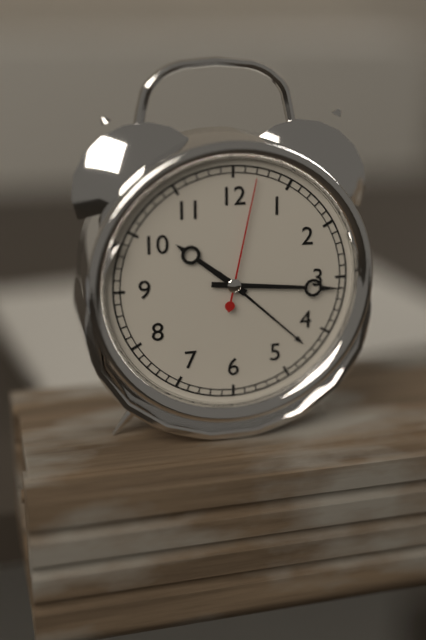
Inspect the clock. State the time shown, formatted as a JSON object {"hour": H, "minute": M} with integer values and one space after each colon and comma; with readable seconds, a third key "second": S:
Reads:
{"hour": 10, "minute": 16, "second": 2}
